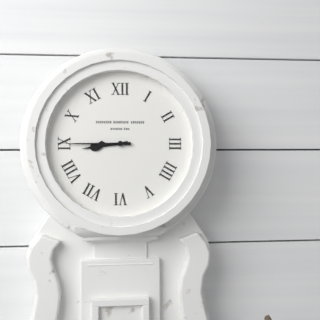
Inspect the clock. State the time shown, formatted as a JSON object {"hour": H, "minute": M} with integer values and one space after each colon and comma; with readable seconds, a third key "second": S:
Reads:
{"hour": 8, "minute": 45}
